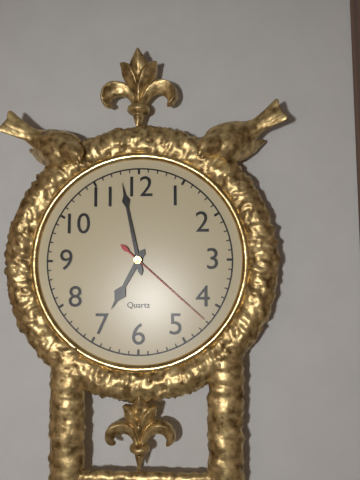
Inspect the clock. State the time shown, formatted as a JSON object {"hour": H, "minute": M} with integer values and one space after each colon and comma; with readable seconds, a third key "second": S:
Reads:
{"hour": 6, "minute": 58, "second": 22}
